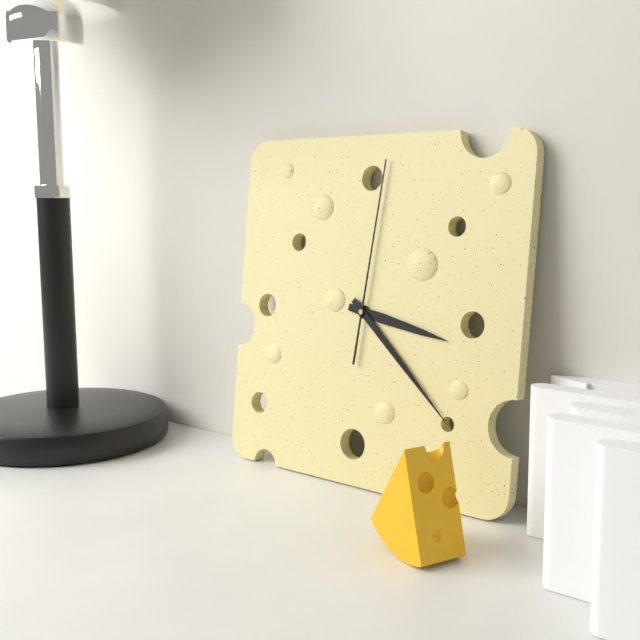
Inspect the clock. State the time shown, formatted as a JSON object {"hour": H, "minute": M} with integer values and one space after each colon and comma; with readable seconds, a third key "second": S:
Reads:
{"hour": 3, "minute": 22, "second": 1}
